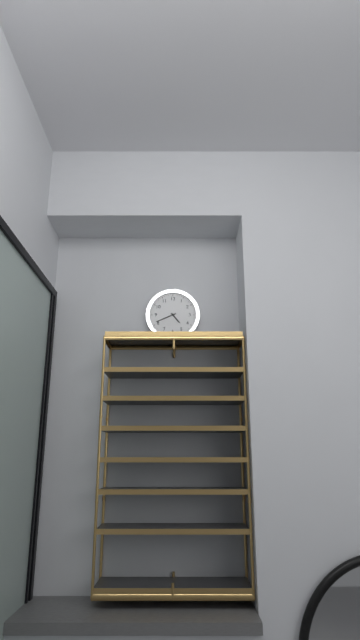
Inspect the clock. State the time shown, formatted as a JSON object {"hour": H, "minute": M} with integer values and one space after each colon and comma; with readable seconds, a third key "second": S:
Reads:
{"hour": 4, "minute": 41}
